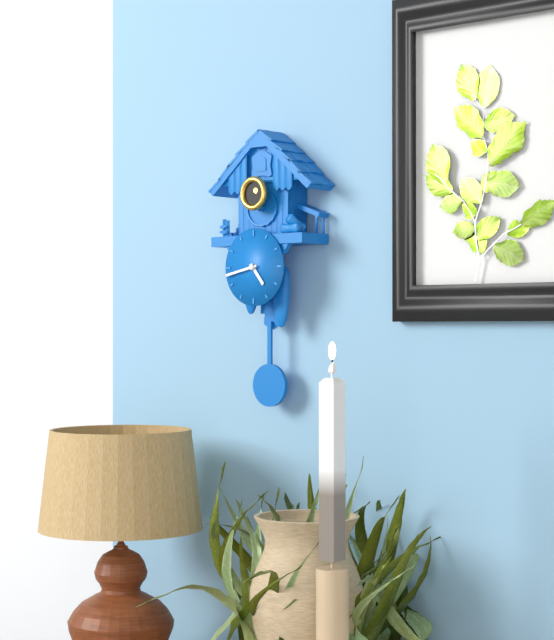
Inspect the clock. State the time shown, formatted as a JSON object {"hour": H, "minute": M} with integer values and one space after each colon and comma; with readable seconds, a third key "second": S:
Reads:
{"hour": 4, "minute": 43}
